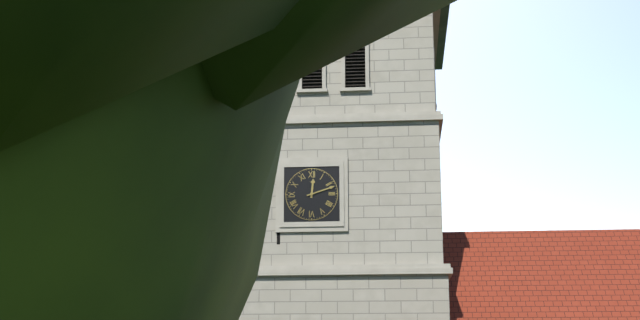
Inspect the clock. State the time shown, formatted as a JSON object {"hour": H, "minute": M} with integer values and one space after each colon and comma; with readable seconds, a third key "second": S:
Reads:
{"hour": 12, "minute": 12}
